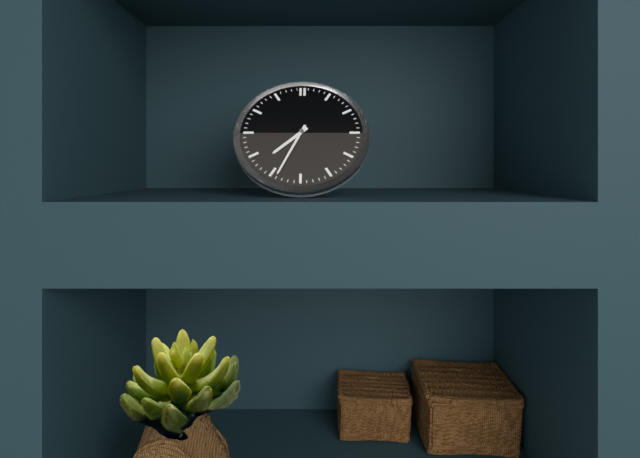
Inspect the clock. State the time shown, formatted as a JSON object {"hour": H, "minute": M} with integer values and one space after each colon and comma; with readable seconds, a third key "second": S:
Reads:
{"hour": 7, "minute": 34}
